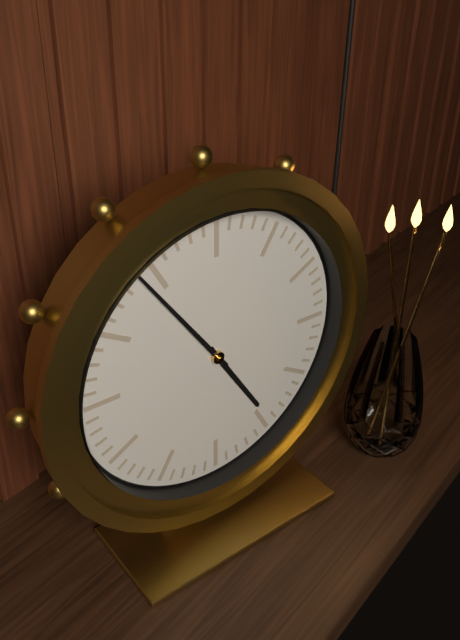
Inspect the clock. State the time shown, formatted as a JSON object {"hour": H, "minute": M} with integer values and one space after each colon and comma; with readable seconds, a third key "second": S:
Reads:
{"hour": 4, "minute": 54}
